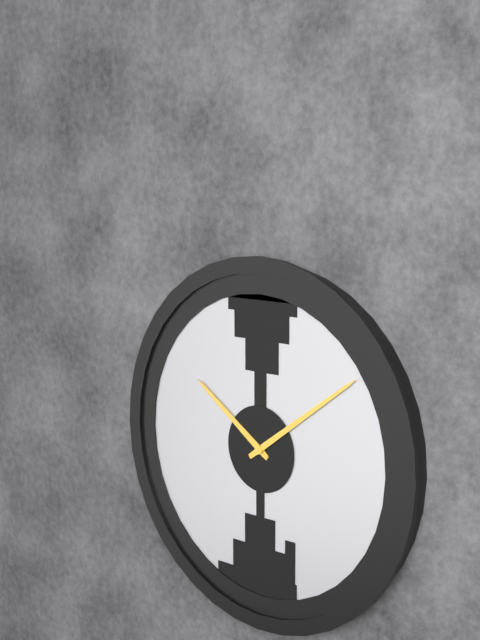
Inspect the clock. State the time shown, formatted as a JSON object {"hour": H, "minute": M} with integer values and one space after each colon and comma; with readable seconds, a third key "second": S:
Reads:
{"hour": 10, "minute": 9}
